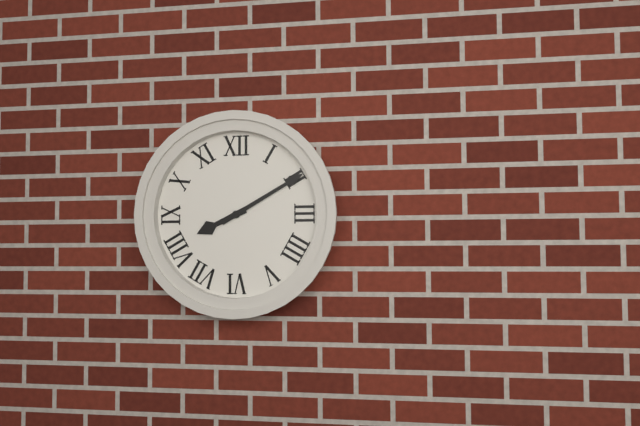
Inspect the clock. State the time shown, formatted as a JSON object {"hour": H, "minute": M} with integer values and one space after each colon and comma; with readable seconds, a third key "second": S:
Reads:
{"hour": 8, "minute": 10}
